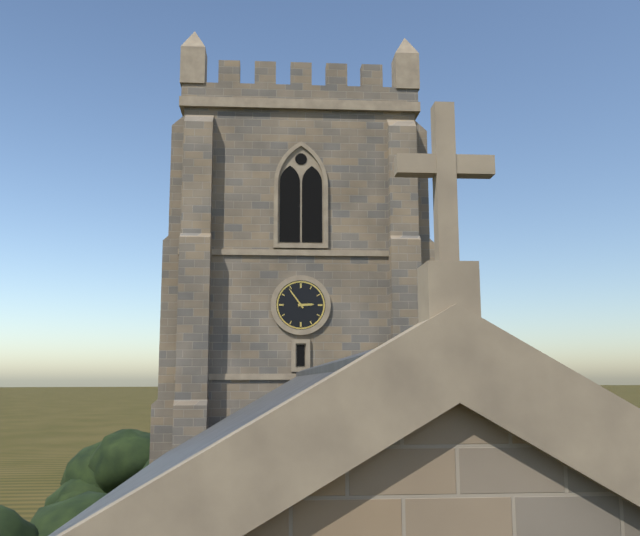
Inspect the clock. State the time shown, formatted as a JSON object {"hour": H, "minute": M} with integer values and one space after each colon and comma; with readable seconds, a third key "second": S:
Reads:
{"hour": 2, "minute": 54}
